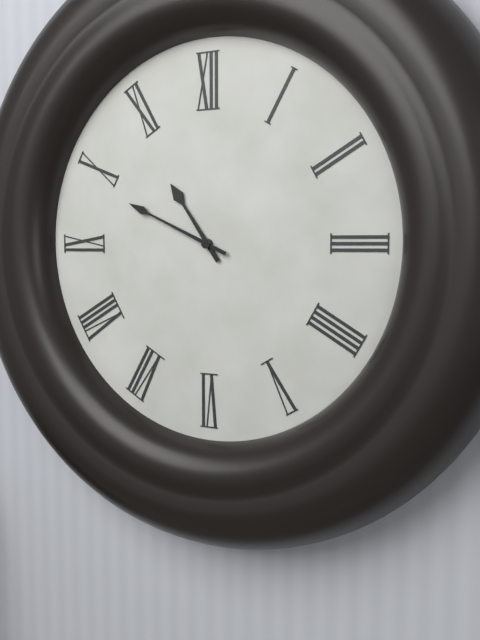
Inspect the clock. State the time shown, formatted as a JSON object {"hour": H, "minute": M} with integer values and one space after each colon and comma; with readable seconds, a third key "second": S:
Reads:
{"hour": 10, "minute": 49}
